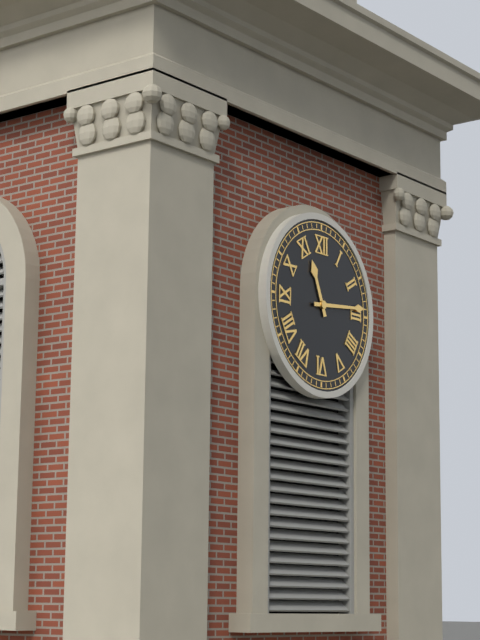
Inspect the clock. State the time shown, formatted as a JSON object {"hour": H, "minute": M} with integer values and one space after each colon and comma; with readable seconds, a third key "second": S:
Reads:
{"hour": 11, "minute": 14}
